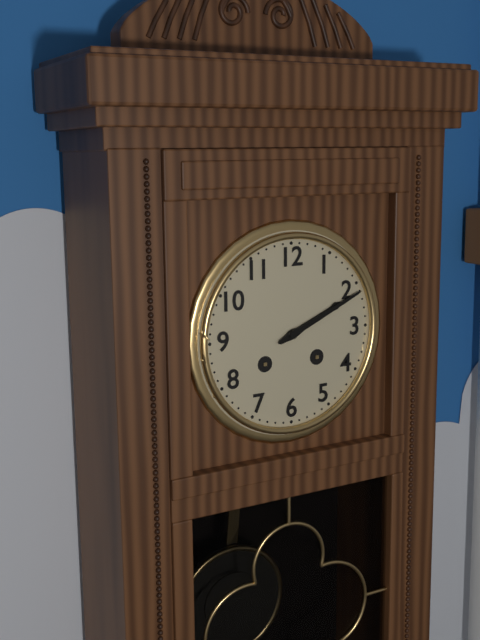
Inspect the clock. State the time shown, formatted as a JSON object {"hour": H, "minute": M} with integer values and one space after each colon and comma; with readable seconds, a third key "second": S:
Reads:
{"hour": 2, "minute": 11}
